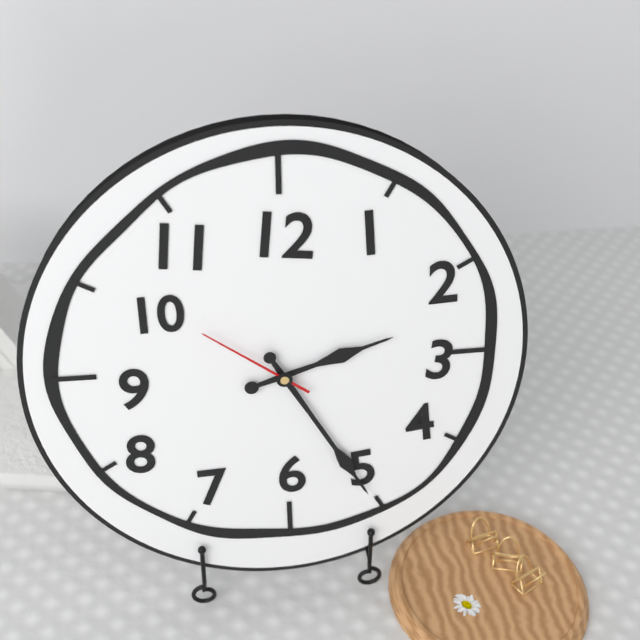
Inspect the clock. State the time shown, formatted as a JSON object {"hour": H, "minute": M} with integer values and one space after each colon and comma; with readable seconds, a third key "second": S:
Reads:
{"hour": 2, "minute": 25, "second": 51}
